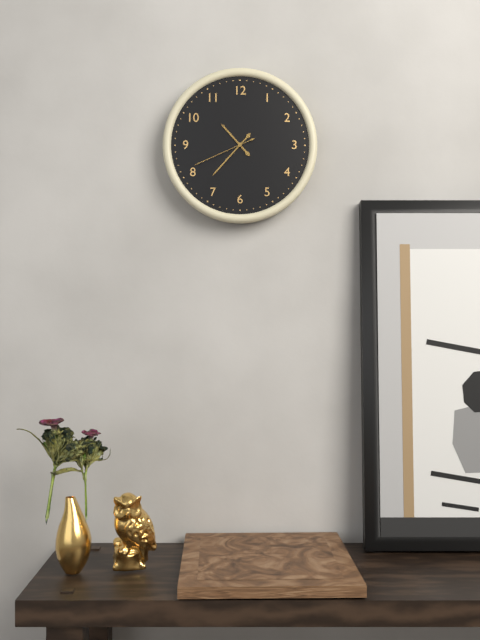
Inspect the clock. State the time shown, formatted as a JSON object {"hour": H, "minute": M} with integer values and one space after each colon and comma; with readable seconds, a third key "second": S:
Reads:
{"hour": 10, "minute": 37, "second": 41}
